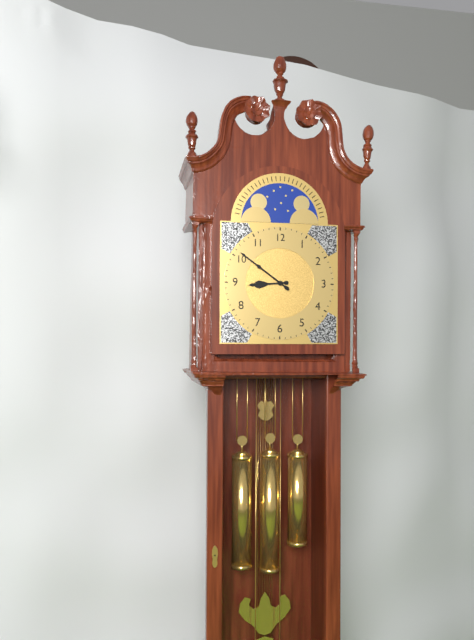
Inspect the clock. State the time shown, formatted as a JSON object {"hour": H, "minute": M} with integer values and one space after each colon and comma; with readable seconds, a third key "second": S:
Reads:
{"hour": 8, "minute": 51}
